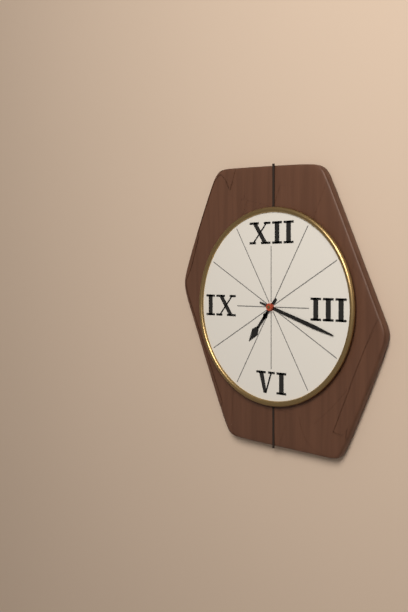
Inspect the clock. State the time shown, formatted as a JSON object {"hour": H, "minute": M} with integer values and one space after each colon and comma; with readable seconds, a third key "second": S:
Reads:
{"hour": 7, "minute": 18}
